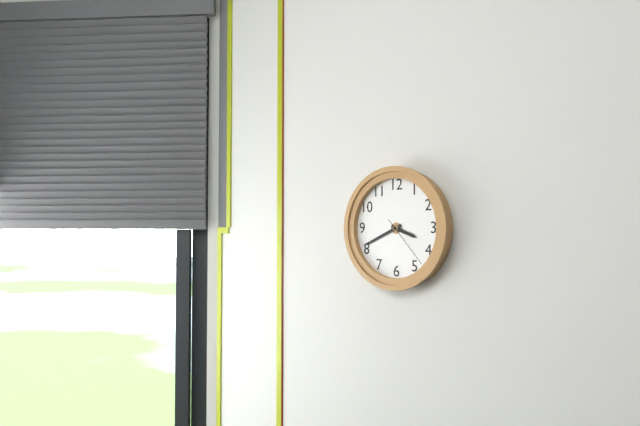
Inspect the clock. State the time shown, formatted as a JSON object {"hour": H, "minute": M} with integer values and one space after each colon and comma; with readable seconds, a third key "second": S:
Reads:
{"hour": 3, "minute": 41, "second": 23}
